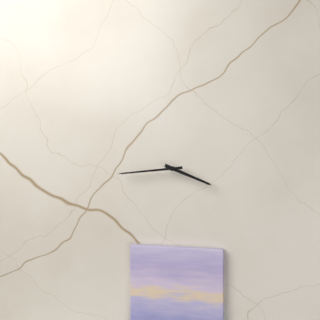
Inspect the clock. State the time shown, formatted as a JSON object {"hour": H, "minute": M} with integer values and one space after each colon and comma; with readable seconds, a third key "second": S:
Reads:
{"hour": 3, "minute": 44}
